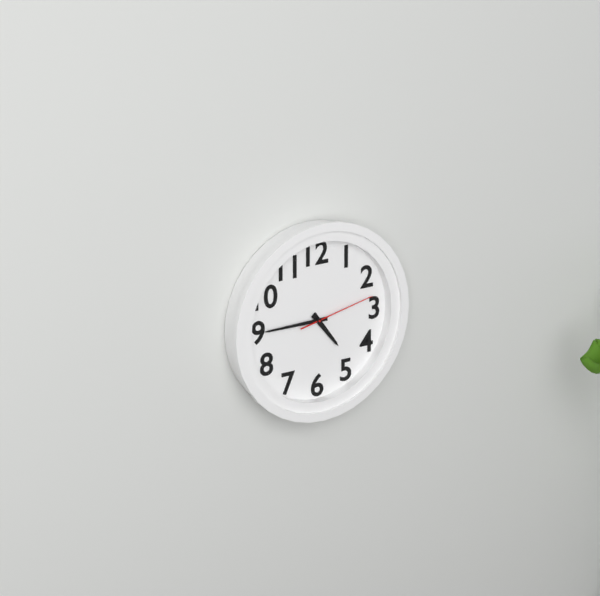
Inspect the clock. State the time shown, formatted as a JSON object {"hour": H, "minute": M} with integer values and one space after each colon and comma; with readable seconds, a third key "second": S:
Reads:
{"hour": 4, "minute": 45, "second": 13}
